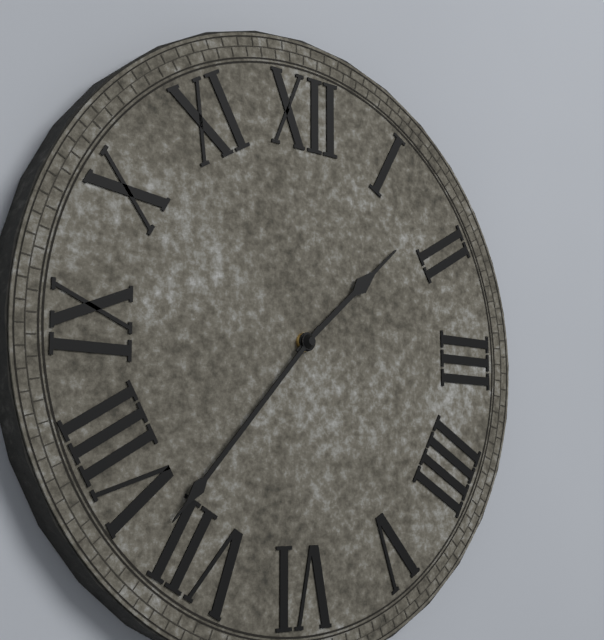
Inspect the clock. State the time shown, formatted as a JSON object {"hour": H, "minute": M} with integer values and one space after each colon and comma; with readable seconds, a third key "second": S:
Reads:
{"hour": 1, "minute": 37}
